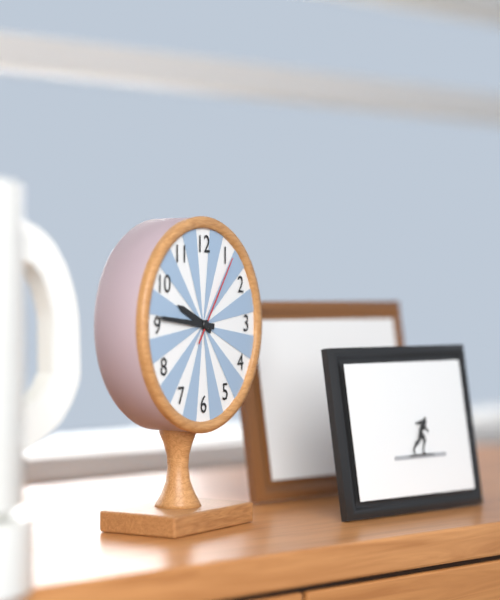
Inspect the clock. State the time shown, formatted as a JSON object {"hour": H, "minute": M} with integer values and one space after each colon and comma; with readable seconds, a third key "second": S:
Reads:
{"hour": 9, "minute": 46, "second": 6}
